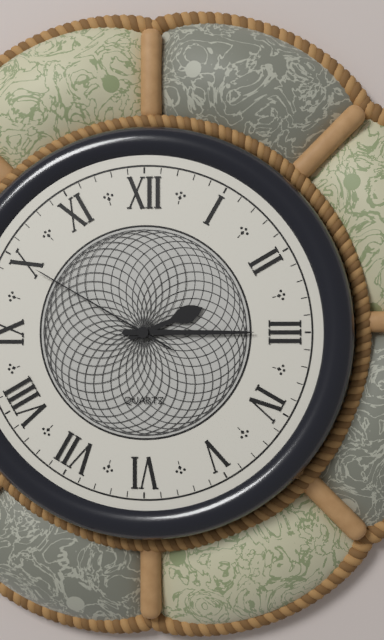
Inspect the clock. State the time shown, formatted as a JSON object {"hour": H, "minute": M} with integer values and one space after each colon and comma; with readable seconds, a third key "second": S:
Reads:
{"hour": 2, "minute": 15, "second": 50}
